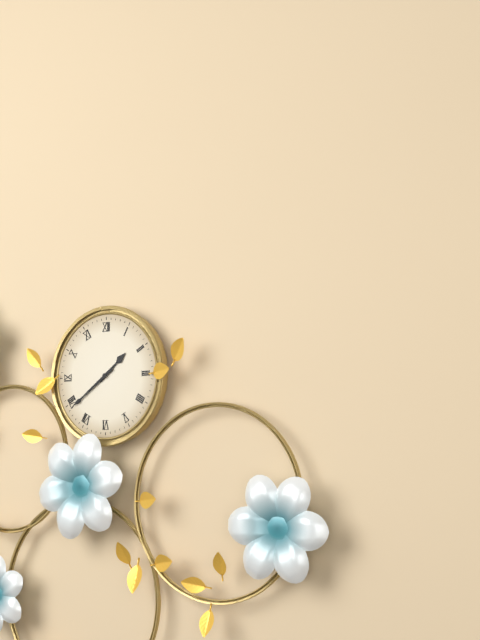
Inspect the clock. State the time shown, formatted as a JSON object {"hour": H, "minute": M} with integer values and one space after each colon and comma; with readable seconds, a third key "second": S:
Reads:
{"hour": 1, "minute": 39}
